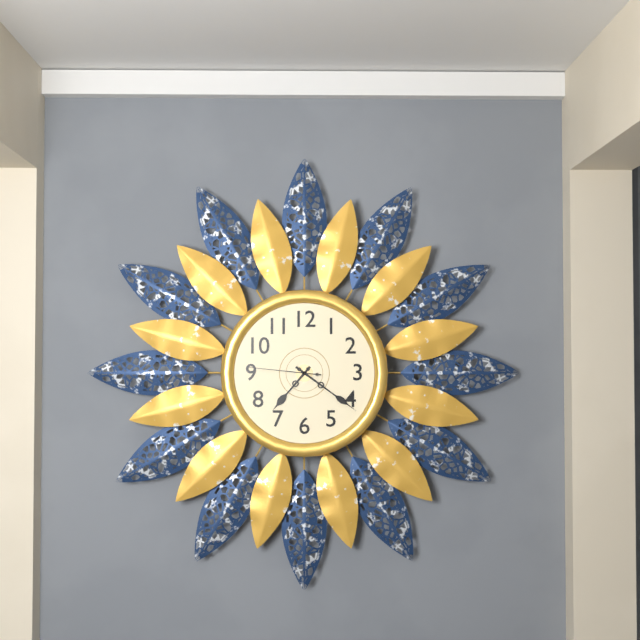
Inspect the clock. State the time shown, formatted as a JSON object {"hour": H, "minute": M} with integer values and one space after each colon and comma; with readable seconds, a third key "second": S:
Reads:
{"hour": 7, "minute": 21, "second": 46}
